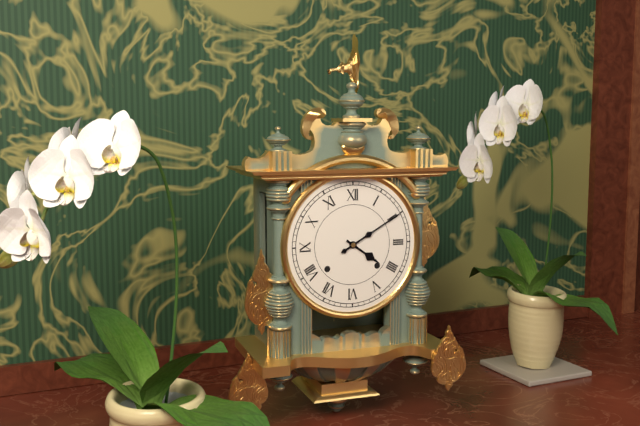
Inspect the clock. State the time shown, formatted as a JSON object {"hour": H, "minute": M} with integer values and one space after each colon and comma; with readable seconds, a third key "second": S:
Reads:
{"hour": 4, "minute": 10}
